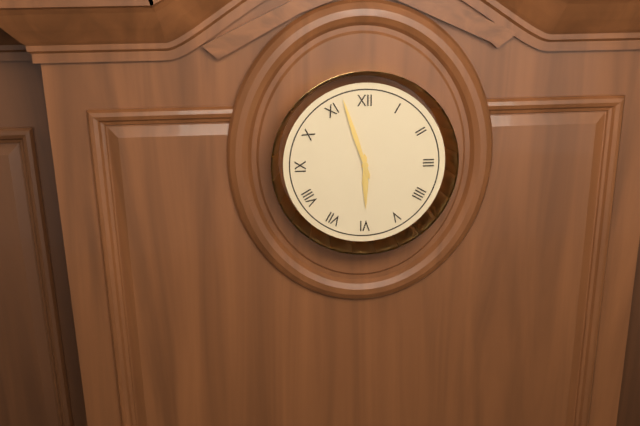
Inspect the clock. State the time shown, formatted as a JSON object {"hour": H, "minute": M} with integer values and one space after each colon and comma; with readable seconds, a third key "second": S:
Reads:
{"hour": 5, "minute": 57}
